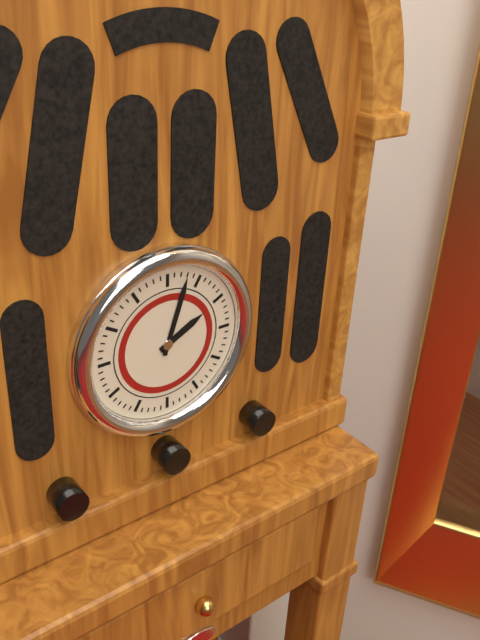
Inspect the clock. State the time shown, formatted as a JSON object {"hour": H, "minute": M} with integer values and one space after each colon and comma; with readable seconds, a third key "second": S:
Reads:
{"hour": 2, "minute": 3}
